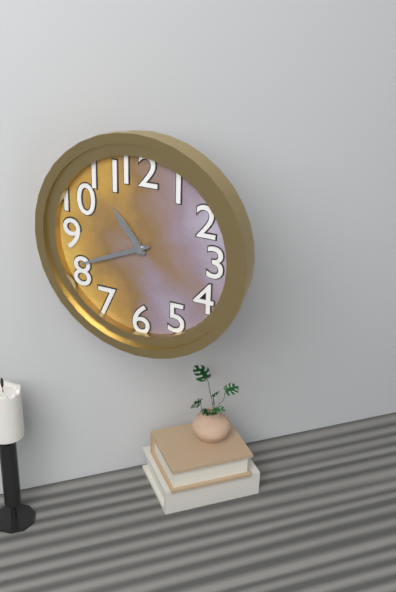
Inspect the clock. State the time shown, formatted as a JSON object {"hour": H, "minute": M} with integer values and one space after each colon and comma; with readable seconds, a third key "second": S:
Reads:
{"hour": 10, "minute": 41}
